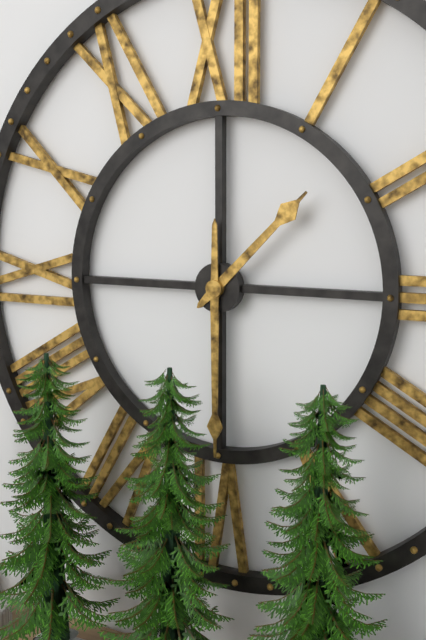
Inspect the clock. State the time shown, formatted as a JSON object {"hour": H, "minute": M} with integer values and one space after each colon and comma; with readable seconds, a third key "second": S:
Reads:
{"hour": 1, "minute": 30}
